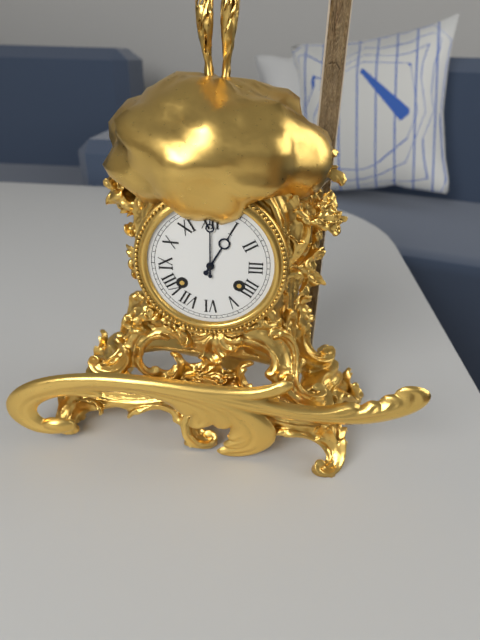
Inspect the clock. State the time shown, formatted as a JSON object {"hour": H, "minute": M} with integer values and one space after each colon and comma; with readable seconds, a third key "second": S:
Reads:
{"hour": 1, "minute": 0}
